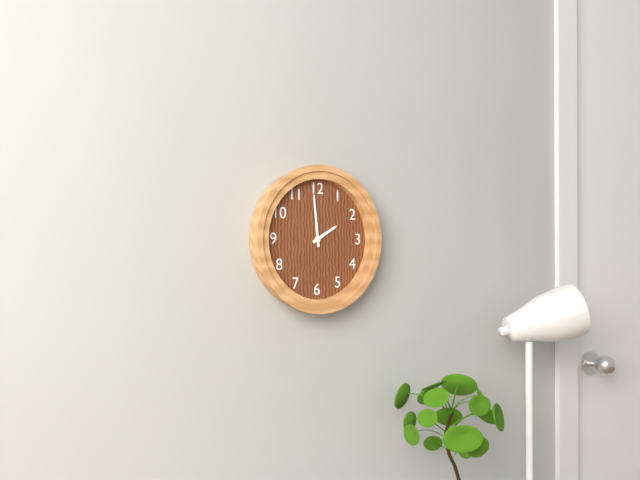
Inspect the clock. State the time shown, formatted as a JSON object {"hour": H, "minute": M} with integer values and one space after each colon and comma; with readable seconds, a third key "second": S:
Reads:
{"hour": 1, "minute": 59}
